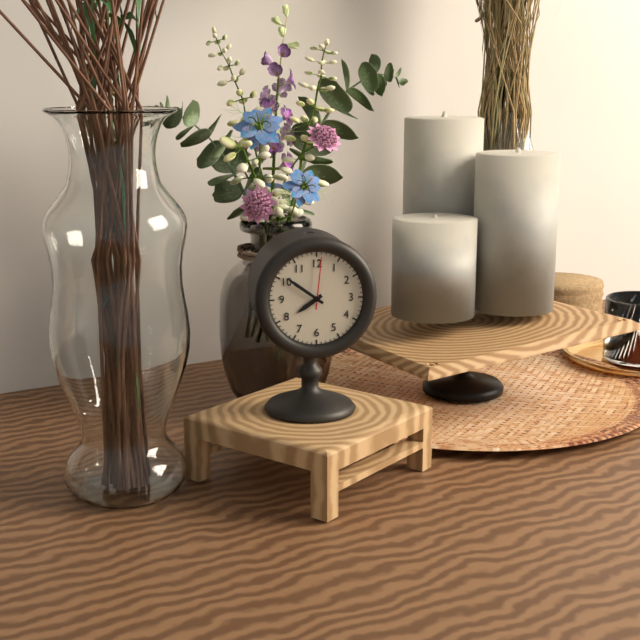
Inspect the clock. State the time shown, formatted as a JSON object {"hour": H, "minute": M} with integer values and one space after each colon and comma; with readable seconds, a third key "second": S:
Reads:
{"hour": 7, "minute": 51, "second": 1}
